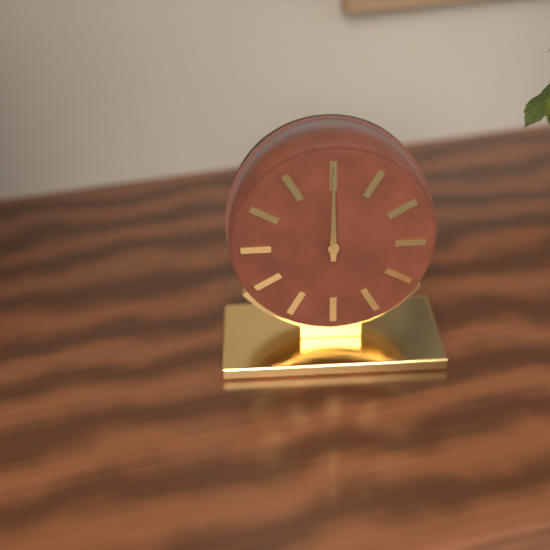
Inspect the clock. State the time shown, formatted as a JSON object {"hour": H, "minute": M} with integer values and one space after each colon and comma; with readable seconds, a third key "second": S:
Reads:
{"hour": 12, "minute": 0}
